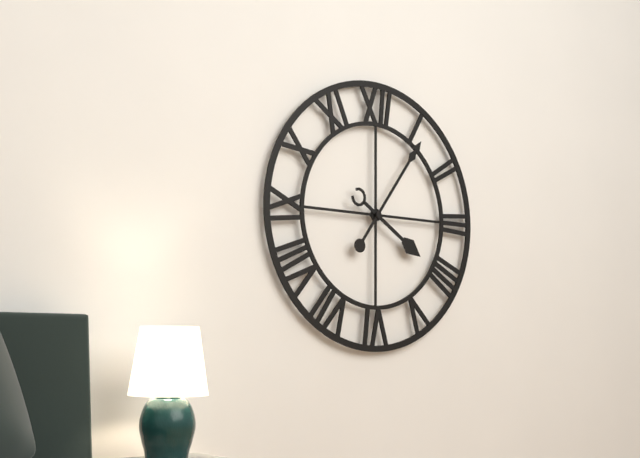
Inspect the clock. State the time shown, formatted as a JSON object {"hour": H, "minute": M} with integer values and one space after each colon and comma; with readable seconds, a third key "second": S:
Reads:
{"hour": 4, "minute": 6}
